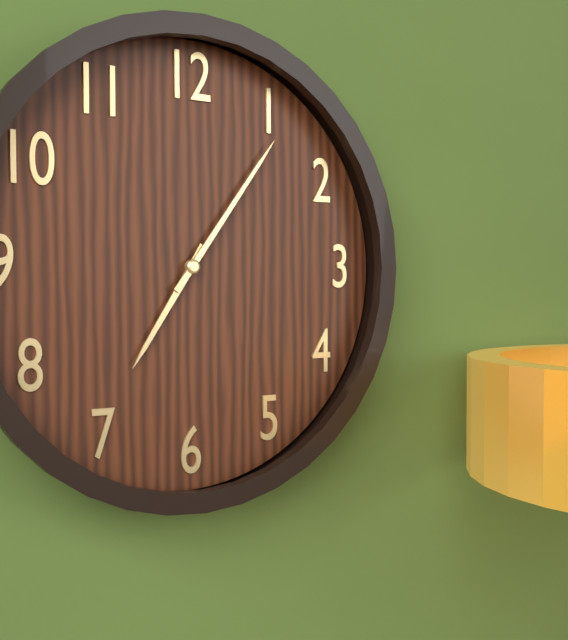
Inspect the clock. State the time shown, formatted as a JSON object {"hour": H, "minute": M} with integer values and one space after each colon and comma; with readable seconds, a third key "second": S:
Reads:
{"hour": 7, "minute": 6}
